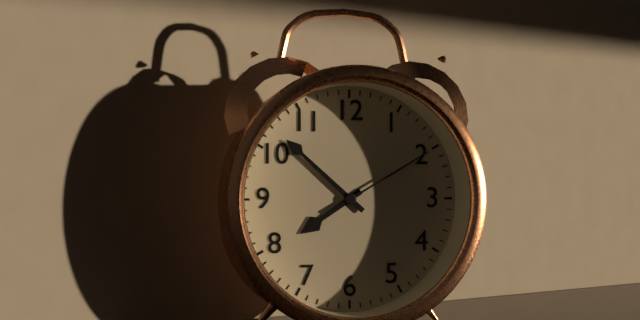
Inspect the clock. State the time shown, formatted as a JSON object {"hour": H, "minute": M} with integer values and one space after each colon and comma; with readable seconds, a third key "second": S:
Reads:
{"hour": 7, "minute": 52, "second": 10}
